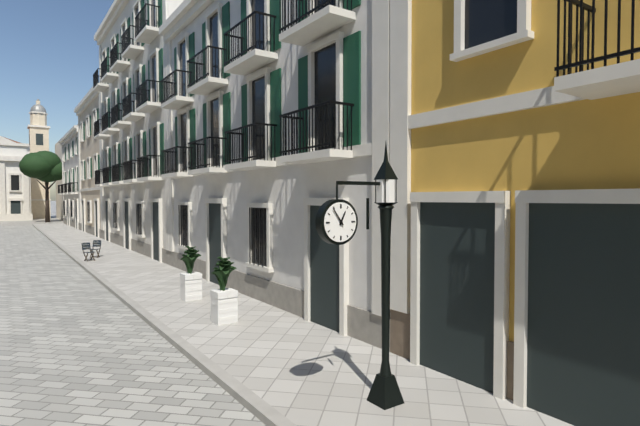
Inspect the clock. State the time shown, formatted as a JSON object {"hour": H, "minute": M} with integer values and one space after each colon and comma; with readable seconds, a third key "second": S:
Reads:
{"hour": 12, "minute": 54}
